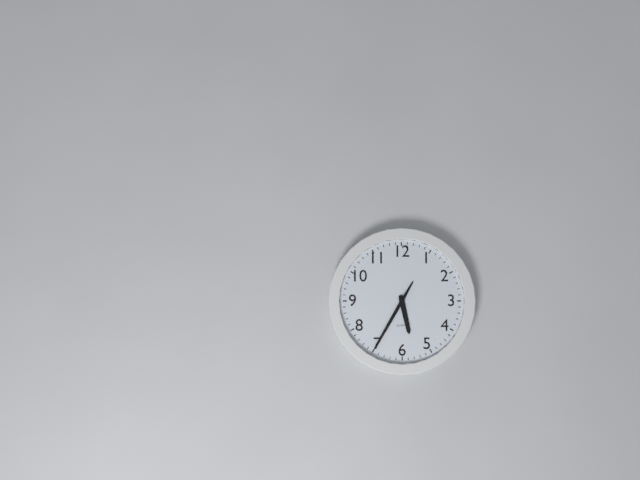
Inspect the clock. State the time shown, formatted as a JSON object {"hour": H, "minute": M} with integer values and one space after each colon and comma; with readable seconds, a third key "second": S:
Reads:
{"hour": 5, "minute": 35}
